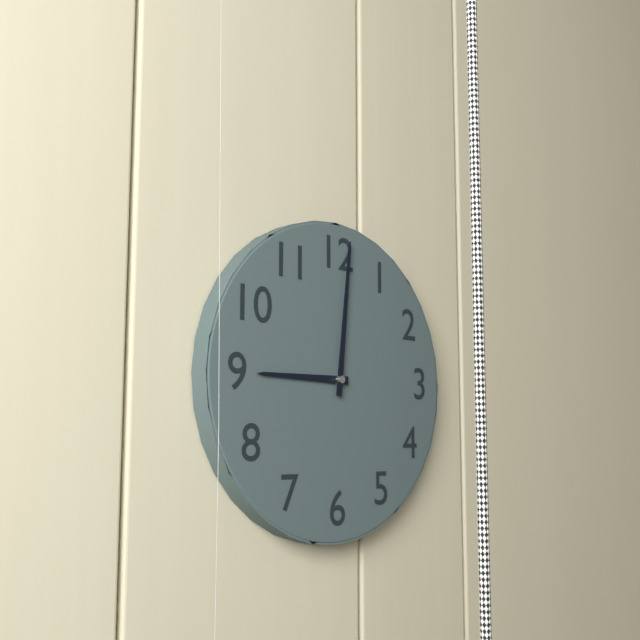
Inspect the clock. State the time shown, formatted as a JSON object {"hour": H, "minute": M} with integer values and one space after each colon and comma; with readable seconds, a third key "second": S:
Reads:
{"hour": 9, "minute": 1}
